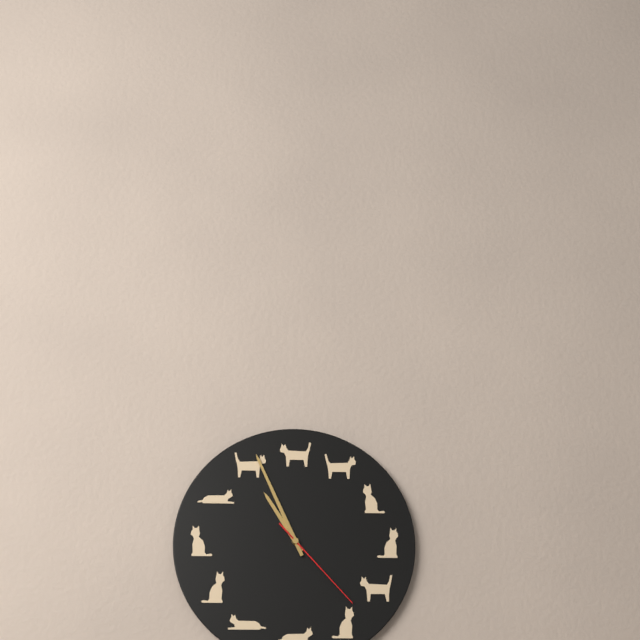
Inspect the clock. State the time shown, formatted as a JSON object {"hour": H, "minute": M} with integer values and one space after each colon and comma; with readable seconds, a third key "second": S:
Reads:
{"hour": 10, "minute": 56, "second": 23}
